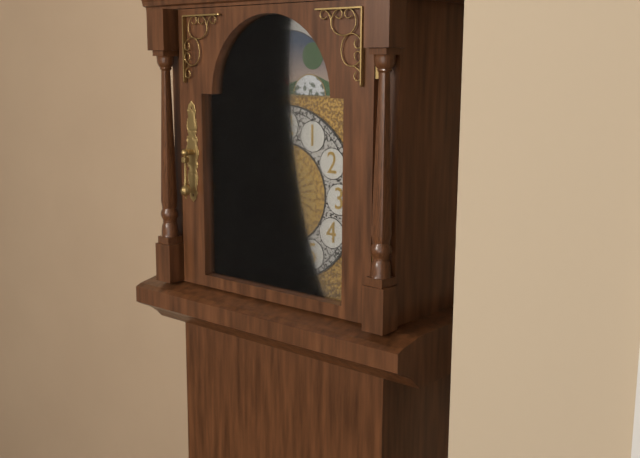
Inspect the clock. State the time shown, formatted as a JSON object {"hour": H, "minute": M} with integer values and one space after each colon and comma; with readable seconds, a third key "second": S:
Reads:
{"hour": 10, "minute": 43}
